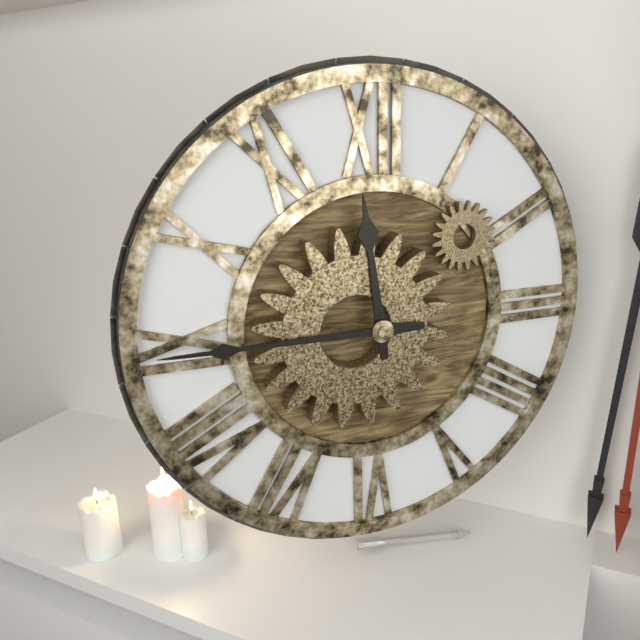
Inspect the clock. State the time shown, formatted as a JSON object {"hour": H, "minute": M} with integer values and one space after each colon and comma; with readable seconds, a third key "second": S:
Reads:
{"hour": 11, "minute": 45}
